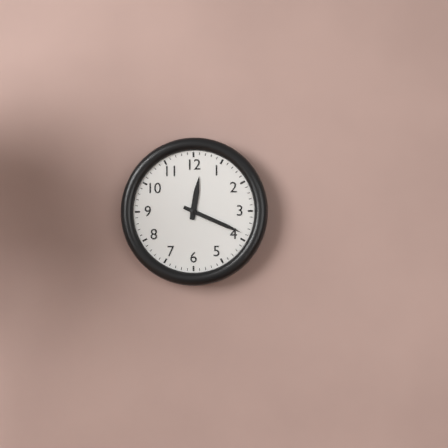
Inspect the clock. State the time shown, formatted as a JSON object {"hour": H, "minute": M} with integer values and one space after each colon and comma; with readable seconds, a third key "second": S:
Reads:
{"hour": 12, "minute": 19}
